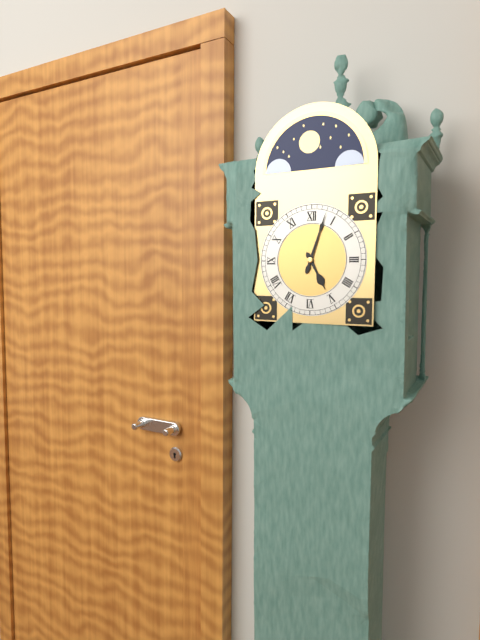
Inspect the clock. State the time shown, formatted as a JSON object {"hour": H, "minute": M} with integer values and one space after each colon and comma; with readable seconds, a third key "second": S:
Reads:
{"hour": 5, "minute": 3}
